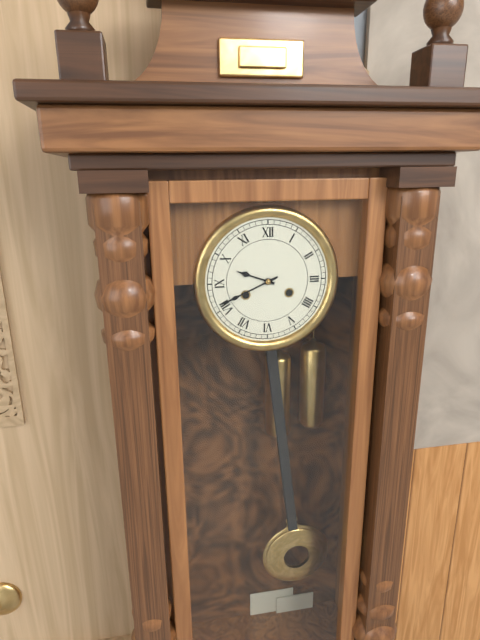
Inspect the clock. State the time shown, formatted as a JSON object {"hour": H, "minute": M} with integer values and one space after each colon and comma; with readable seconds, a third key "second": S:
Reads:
{"hour": 9, "minute": 41}
